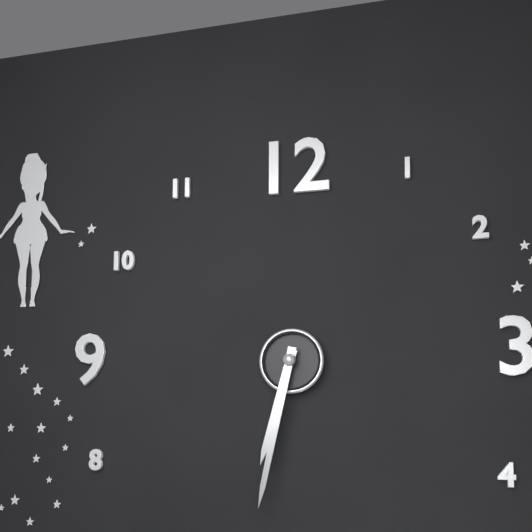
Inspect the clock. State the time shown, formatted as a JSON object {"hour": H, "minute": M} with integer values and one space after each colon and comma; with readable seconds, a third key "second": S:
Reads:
{"hour": 6, "minute": 32}
